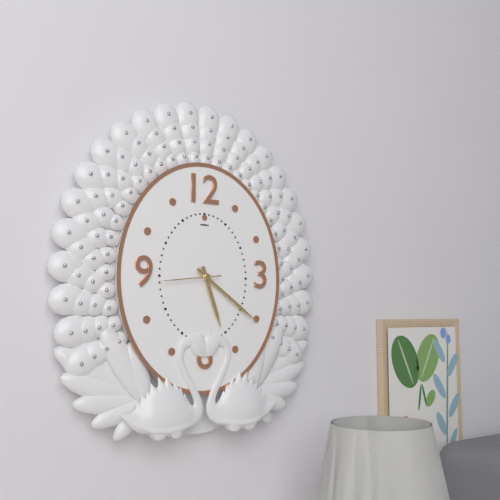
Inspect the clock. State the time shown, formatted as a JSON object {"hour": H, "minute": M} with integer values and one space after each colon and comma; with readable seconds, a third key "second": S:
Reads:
{"hour": 5, "minute": 21, "second": 44}
